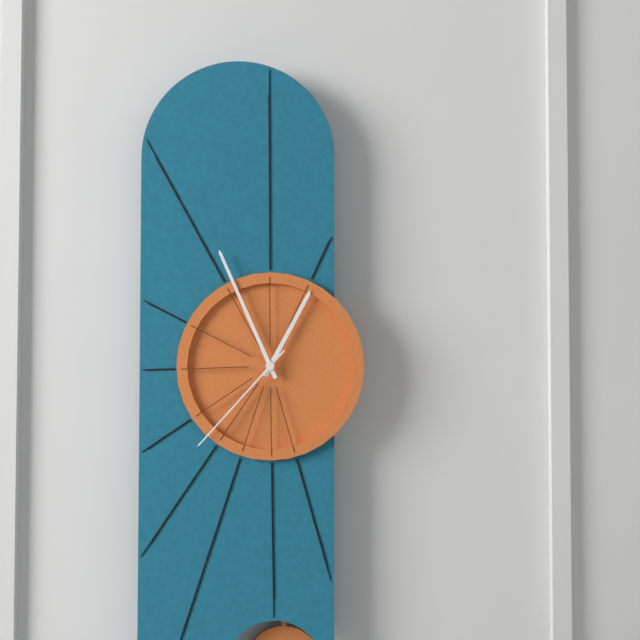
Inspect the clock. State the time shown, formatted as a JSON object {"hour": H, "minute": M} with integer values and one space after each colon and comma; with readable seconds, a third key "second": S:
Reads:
{"hour": 12, "minute": 56, "second": 37}
